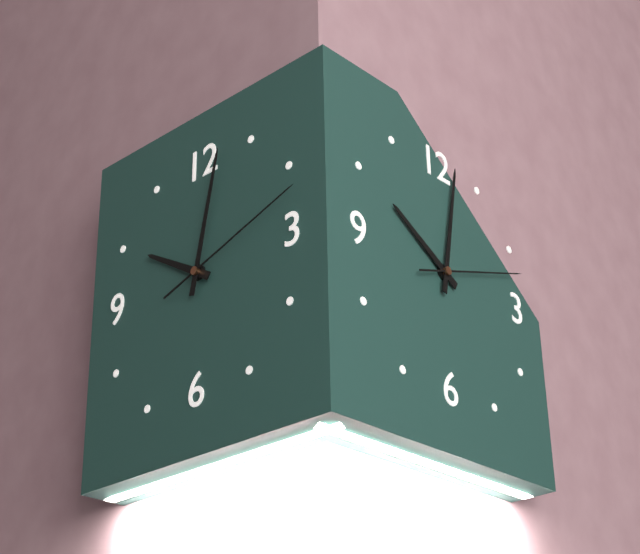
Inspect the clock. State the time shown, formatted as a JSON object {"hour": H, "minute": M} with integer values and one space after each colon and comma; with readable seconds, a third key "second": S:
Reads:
{"hour": 10, "minute": 2, "second": 12}
